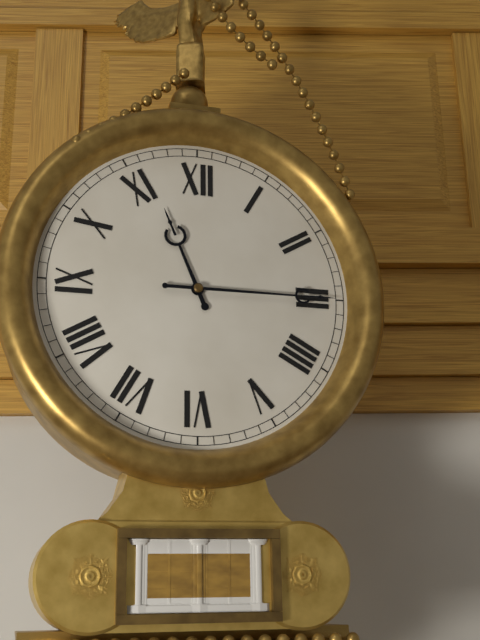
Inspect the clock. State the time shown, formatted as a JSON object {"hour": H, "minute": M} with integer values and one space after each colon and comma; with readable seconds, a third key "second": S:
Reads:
{"hour": 11, "minute": 15}
